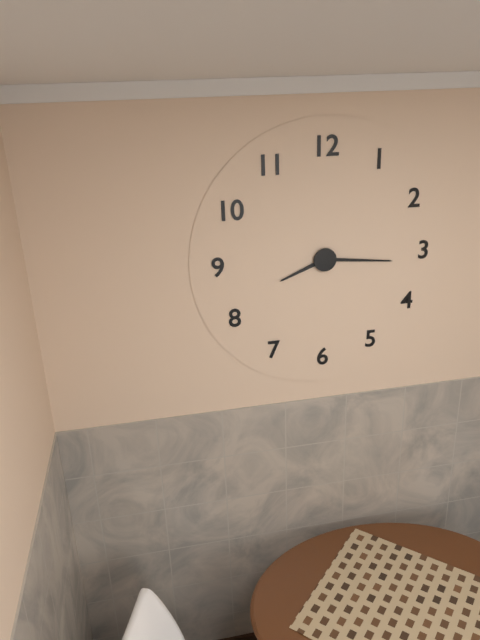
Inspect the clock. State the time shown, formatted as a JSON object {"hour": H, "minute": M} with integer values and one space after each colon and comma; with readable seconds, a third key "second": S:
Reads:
{"hour": 8, "minute": 16}
